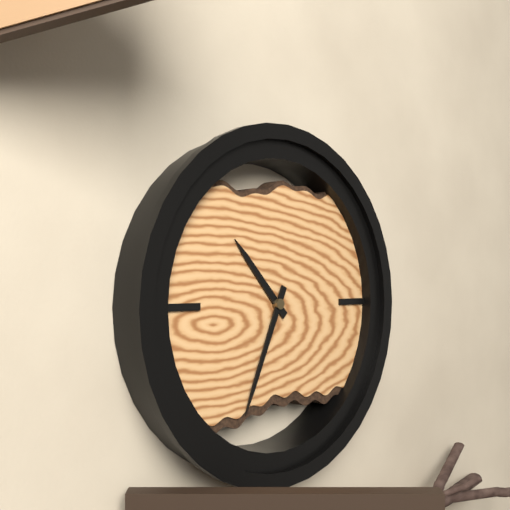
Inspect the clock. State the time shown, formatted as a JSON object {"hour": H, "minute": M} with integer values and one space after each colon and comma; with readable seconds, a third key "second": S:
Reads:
{"hour": 10, "minute": 34}
